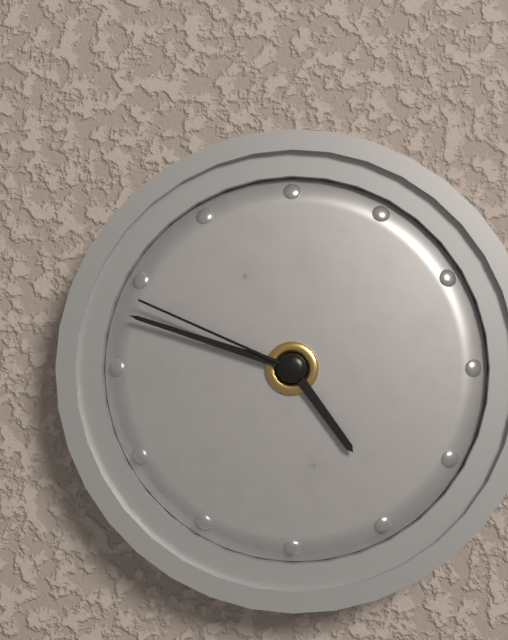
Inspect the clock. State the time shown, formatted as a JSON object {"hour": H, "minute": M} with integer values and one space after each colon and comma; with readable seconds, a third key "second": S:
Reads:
{"hour": 4, "minute": 48, "second": 49}
